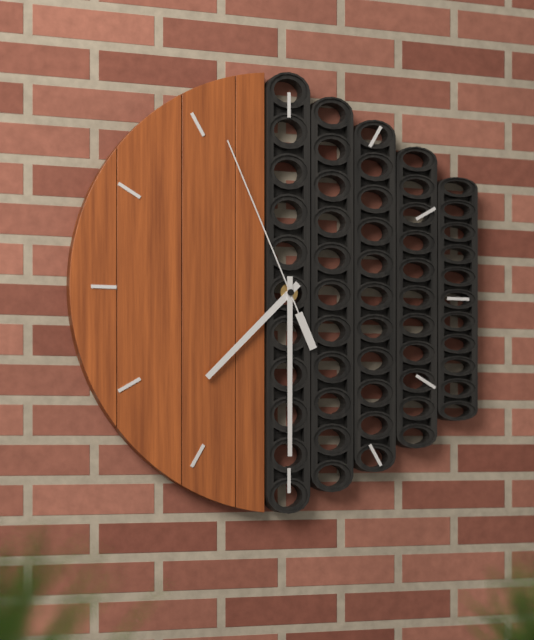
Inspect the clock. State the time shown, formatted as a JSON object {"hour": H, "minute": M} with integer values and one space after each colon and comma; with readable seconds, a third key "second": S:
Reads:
{"hour": 7, "minute": 30, "second": 56}
